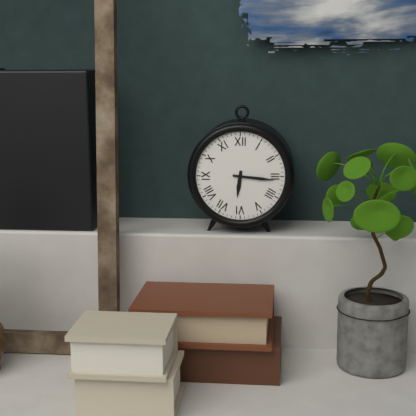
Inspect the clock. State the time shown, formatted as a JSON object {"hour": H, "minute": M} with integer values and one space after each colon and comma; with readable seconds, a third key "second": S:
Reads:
{"hour": 6, "minute": 16}
